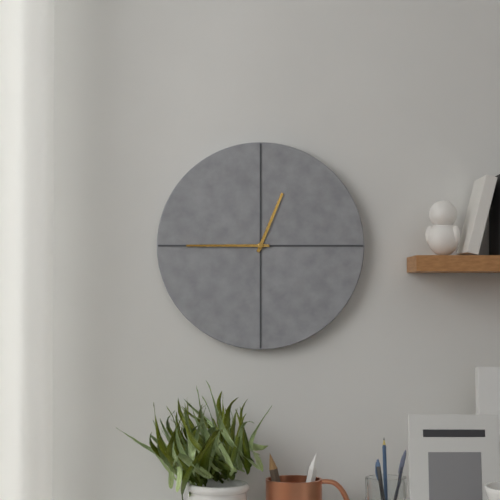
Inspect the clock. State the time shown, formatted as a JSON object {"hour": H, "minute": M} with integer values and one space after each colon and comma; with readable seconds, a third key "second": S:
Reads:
{"hour": 12, "minute": 45}
